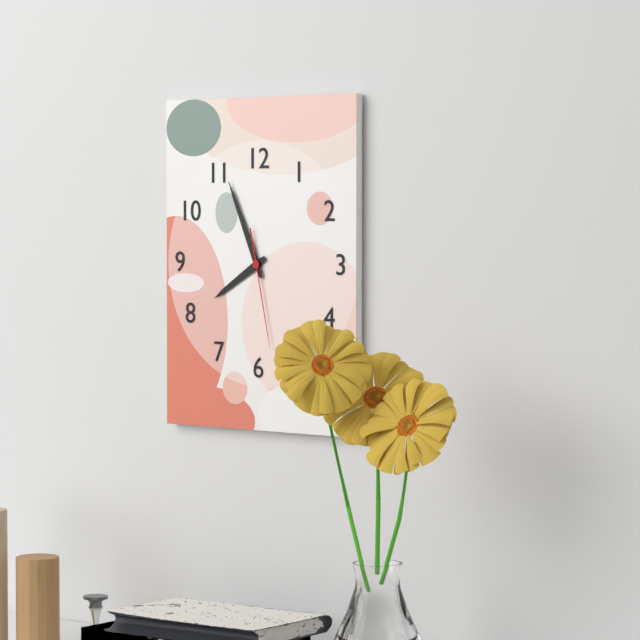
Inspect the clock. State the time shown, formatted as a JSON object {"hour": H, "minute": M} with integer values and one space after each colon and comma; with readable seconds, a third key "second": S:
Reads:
{"hour": 7, "minute": 56, "second": 28}
